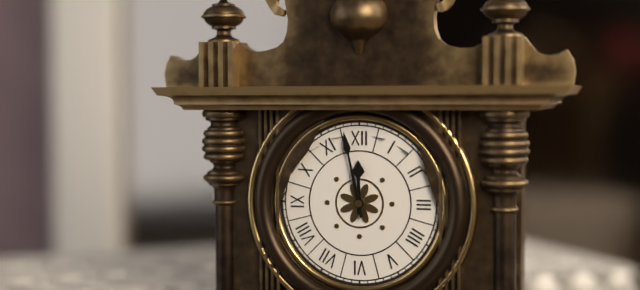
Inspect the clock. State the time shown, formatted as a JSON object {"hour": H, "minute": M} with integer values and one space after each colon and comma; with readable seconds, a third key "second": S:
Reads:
{"hour": 11, "minute": 58}
